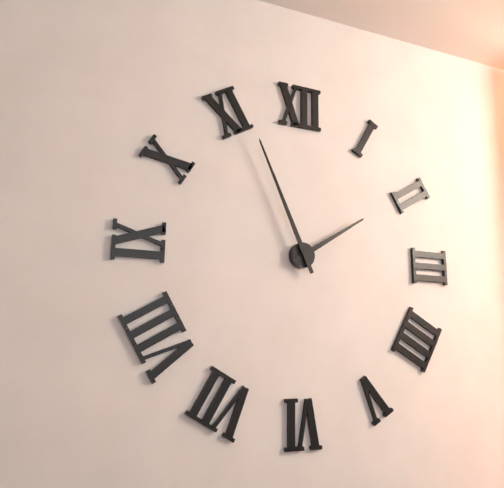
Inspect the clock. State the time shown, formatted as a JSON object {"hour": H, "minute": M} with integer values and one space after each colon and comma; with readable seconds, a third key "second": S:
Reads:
{"hour": 1, "minute": 56}
